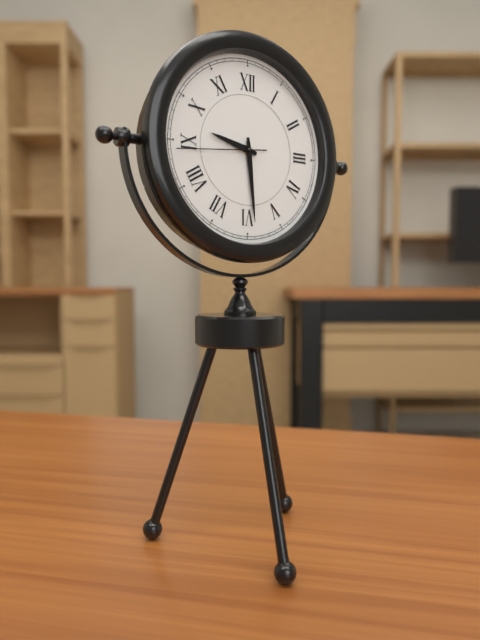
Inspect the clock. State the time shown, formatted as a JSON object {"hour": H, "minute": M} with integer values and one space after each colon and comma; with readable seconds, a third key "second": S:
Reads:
{"hour": 9, "minute": 29, "second": 44}
